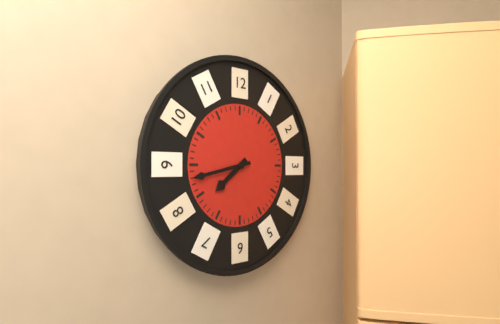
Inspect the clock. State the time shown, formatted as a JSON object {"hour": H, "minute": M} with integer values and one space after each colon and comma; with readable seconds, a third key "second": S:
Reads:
{"hour": 7, "minute": 43}
